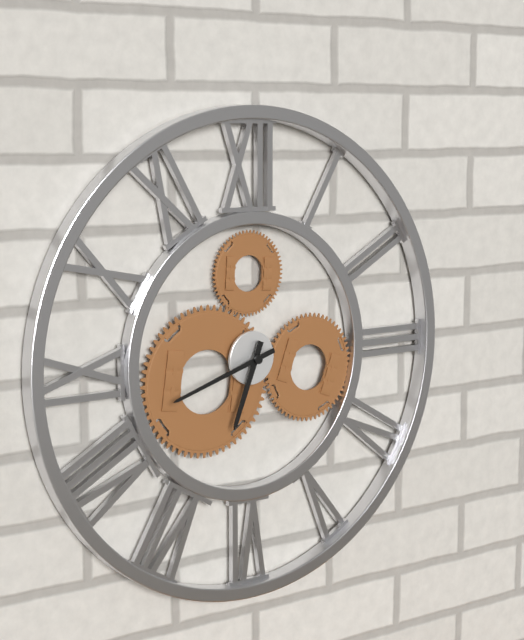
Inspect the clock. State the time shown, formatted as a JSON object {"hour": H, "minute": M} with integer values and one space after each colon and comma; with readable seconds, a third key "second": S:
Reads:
{"hour": 6, "minute": 42}
